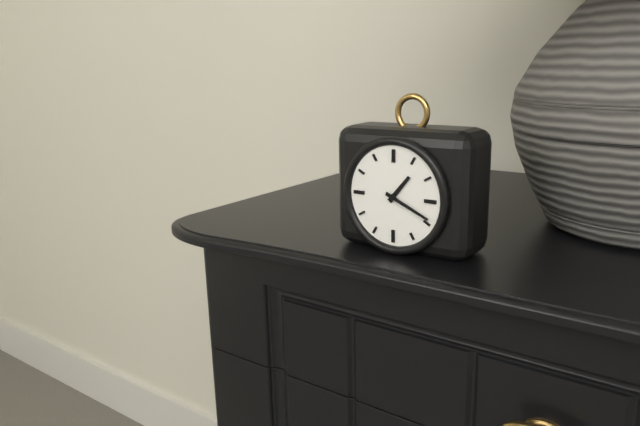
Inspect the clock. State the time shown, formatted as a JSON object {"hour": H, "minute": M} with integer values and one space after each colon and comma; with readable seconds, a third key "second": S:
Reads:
{"hour": 1, "minute": 19}
